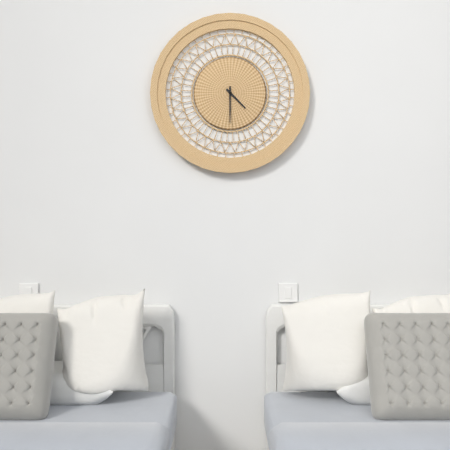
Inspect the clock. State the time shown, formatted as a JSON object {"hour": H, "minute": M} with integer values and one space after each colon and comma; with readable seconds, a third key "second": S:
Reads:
{"hour": 4, "minute": 30}
